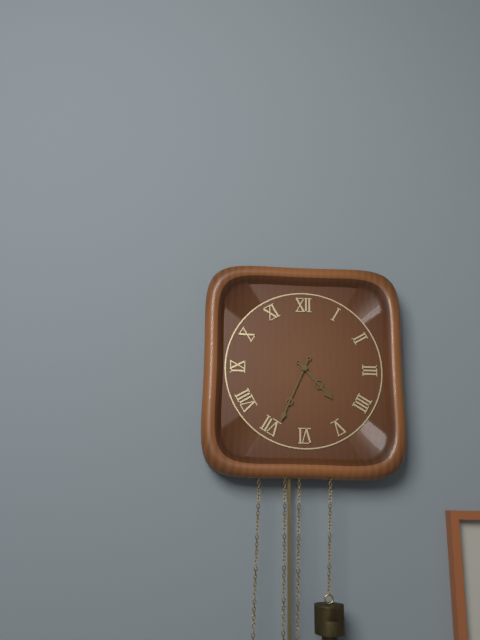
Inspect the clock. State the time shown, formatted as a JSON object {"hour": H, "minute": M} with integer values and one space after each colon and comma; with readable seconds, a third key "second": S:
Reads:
{"hour": 4, "minute": 34}
